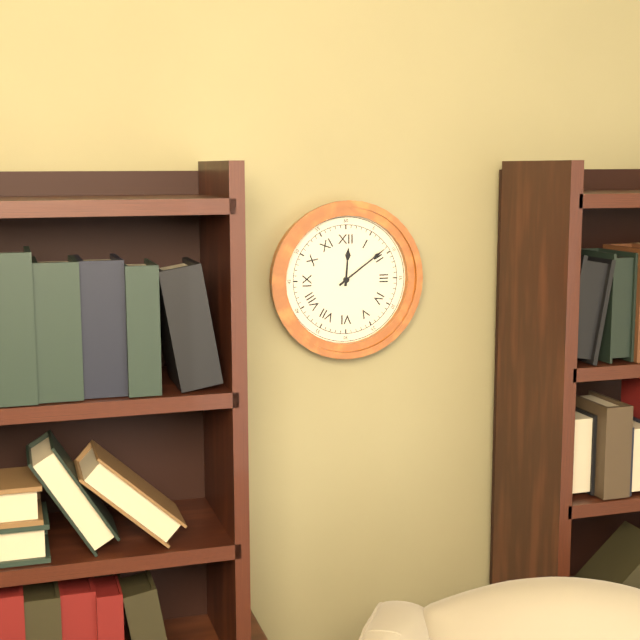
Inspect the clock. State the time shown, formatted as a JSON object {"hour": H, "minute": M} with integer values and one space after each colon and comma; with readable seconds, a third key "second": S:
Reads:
{"hour": 12, "minute": 9}
